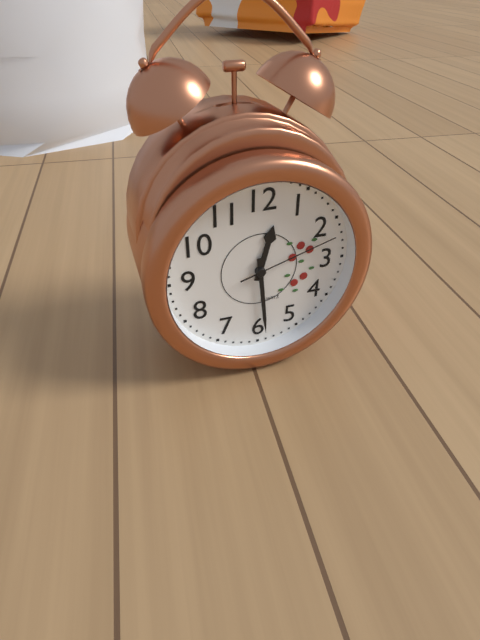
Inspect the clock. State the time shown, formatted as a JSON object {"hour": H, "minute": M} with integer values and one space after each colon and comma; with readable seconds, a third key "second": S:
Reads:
{"hour": 12, "minute": 29, "second": 12}
